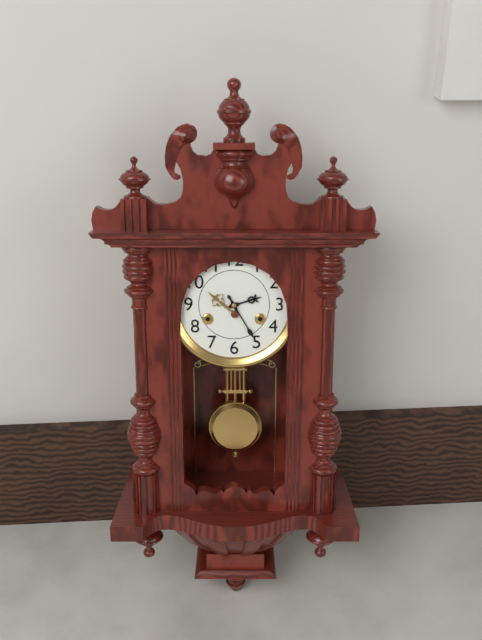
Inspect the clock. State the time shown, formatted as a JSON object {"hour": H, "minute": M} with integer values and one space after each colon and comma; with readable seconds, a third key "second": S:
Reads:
{"hour": 2, "minute": 25}
